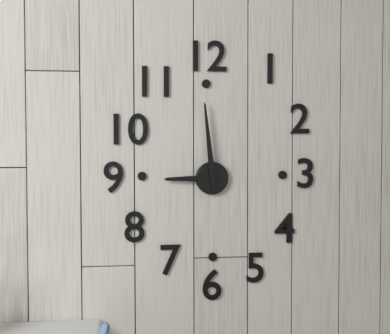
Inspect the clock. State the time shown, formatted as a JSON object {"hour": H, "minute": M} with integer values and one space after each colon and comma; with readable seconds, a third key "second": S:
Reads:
{"hour": 8, "minute": 59}
